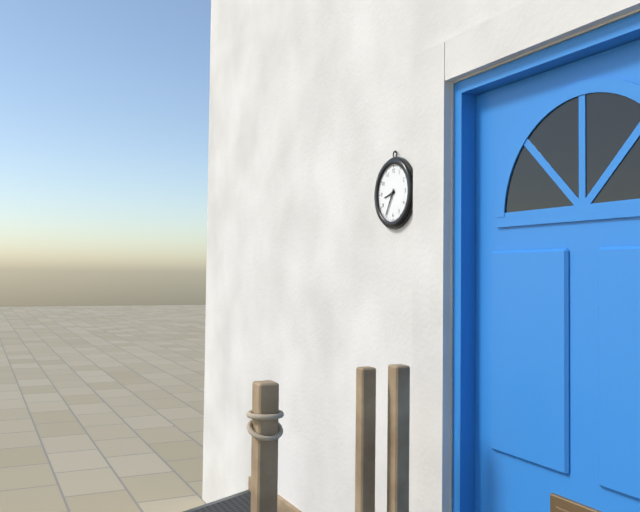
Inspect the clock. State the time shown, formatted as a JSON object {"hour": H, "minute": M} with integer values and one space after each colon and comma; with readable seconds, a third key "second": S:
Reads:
{"hour": 8, "minute": 35}
